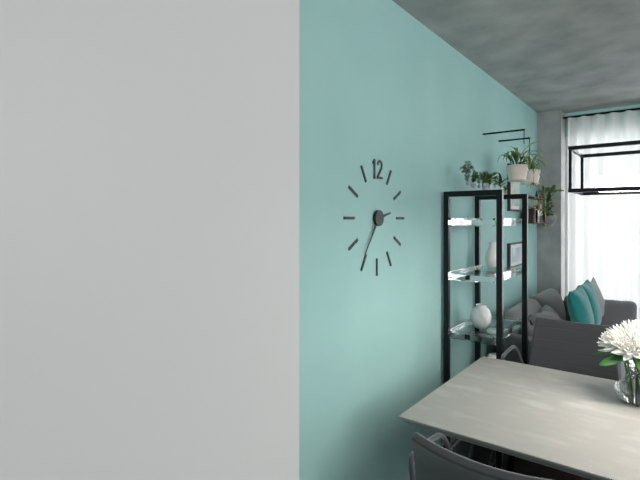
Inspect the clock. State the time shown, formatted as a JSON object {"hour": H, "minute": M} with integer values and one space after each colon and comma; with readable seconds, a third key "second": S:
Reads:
{"hour": 2, "minute": 36}
